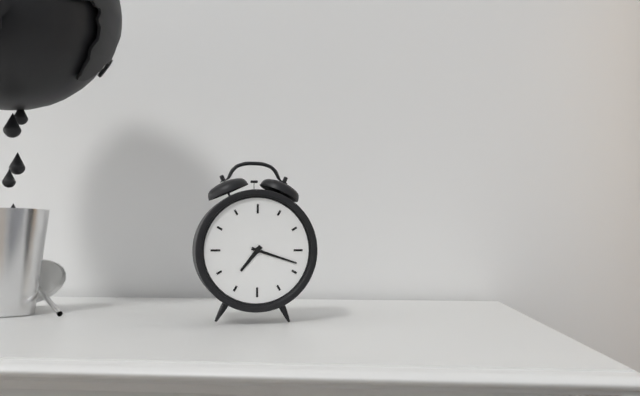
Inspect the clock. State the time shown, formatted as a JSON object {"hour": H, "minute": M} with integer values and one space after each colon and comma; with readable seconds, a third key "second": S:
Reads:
{"hour": 7, "minute": 18}
